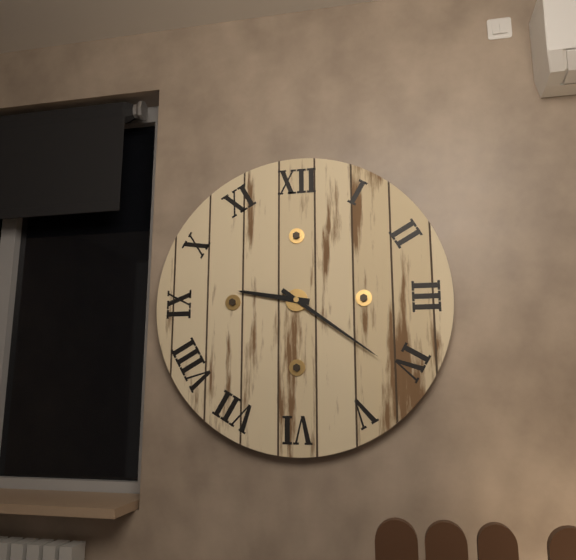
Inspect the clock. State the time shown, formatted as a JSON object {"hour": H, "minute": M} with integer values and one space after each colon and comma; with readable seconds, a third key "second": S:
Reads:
{"hour": 9, "minute": 21}
